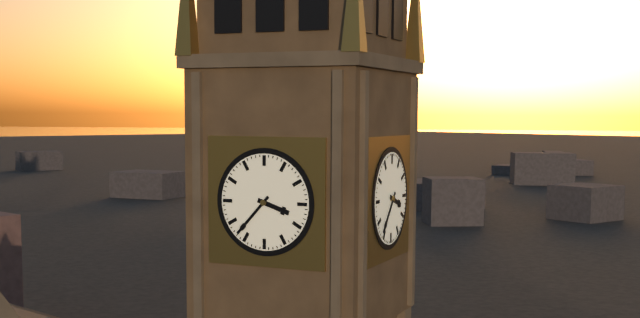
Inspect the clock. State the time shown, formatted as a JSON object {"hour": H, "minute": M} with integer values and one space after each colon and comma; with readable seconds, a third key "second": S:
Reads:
{"hour": 3, "minute": 37}
